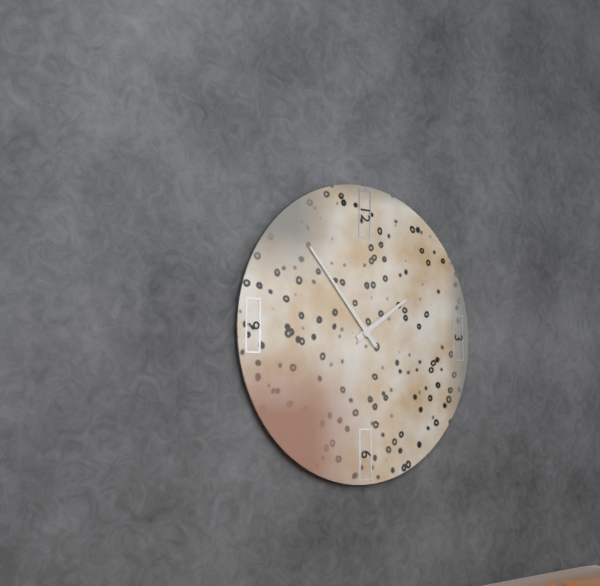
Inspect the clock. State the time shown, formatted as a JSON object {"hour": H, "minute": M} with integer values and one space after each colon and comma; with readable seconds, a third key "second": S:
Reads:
{"hour": 1, "minute": 53}
